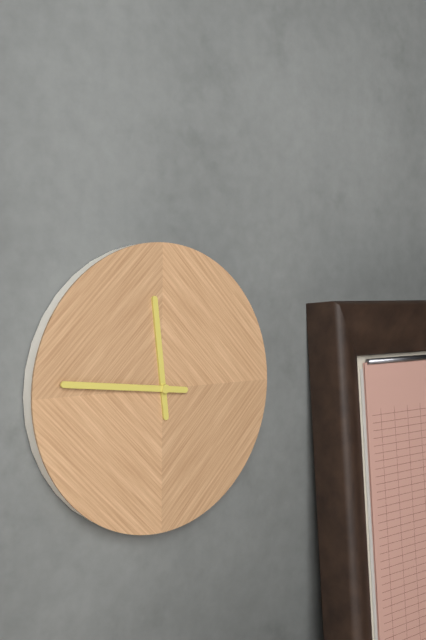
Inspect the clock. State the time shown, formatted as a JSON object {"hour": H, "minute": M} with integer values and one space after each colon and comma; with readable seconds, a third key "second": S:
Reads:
{"hour": 11, "minute": 46}
